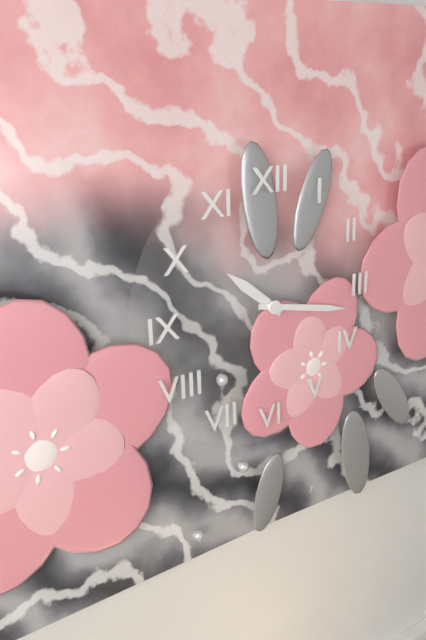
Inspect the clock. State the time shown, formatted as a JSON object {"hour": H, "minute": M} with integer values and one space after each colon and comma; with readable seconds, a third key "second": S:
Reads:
{"hour": 10, "minute": 17}
